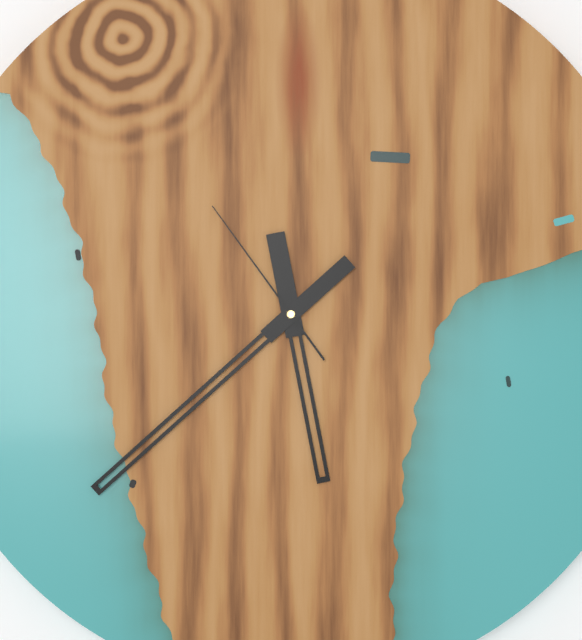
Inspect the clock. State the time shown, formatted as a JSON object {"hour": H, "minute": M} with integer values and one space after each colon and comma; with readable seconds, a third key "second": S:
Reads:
{"hour": 5, "minute": 38, "second": 54}
